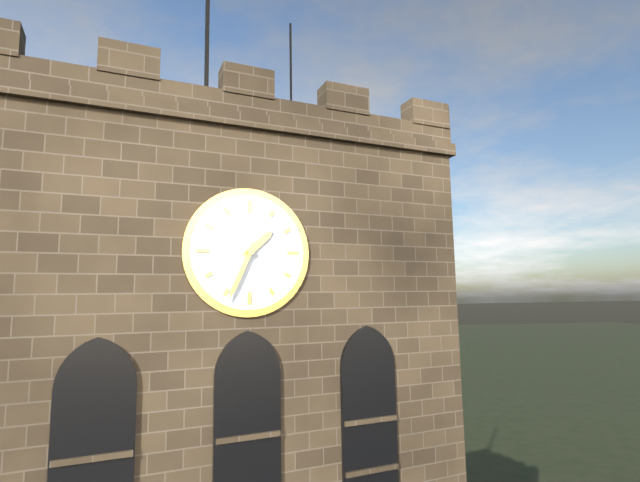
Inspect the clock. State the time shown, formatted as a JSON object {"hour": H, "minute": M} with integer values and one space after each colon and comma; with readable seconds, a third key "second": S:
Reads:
{"hour": 1, "minute": 34}
